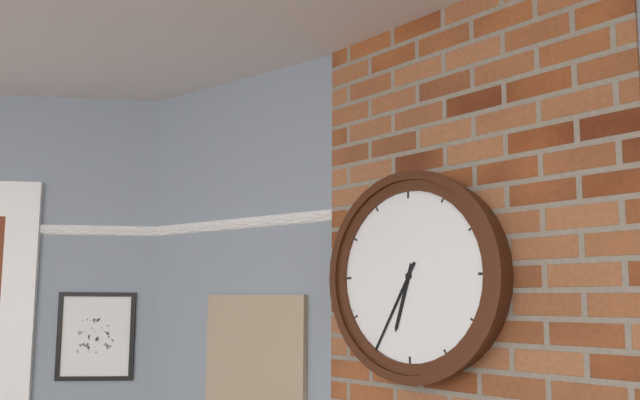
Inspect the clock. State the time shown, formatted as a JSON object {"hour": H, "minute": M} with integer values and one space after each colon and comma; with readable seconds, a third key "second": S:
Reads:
{"hour": 6, "minute": 35}
